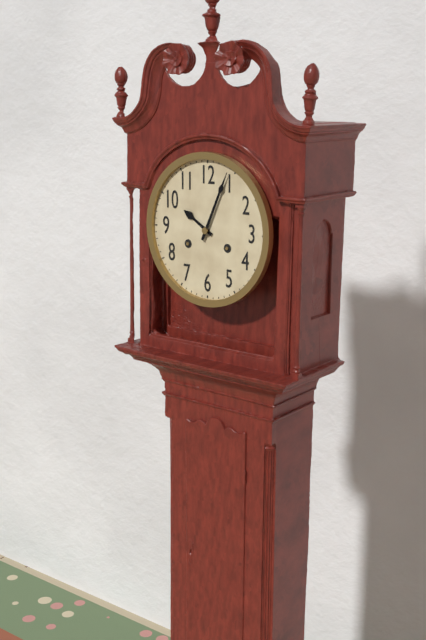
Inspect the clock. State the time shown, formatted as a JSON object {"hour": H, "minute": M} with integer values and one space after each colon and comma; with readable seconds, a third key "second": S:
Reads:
{"hour": 10, "minute": 4}
